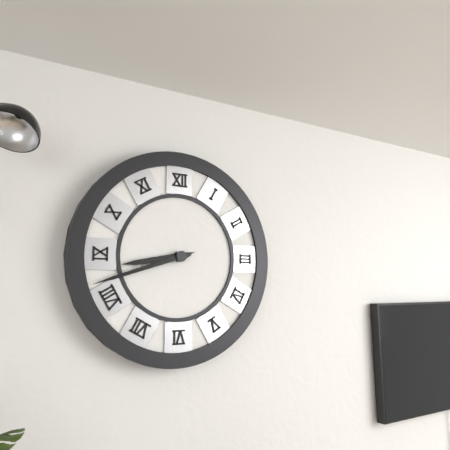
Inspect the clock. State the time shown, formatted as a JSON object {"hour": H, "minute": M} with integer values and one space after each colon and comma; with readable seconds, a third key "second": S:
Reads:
{"hour": 8, "minute": 42}
